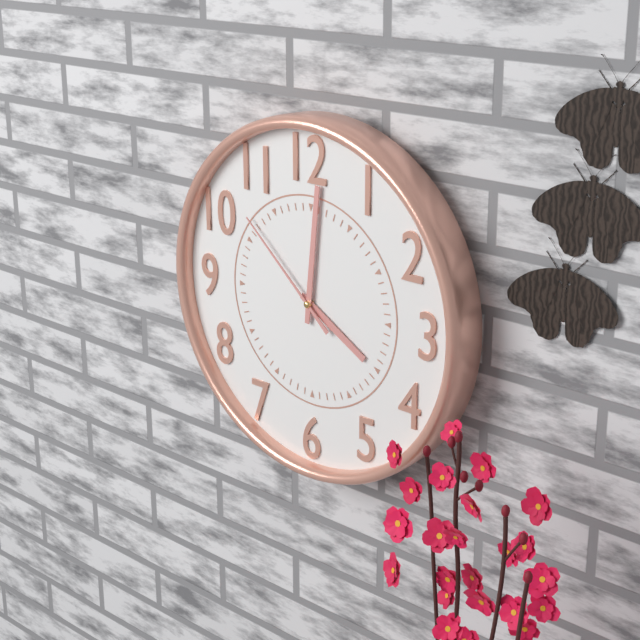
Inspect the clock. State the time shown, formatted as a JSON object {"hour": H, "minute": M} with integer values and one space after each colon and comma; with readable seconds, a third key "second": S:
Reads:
{"hour": 4, "minute": 1, "second": 52}
